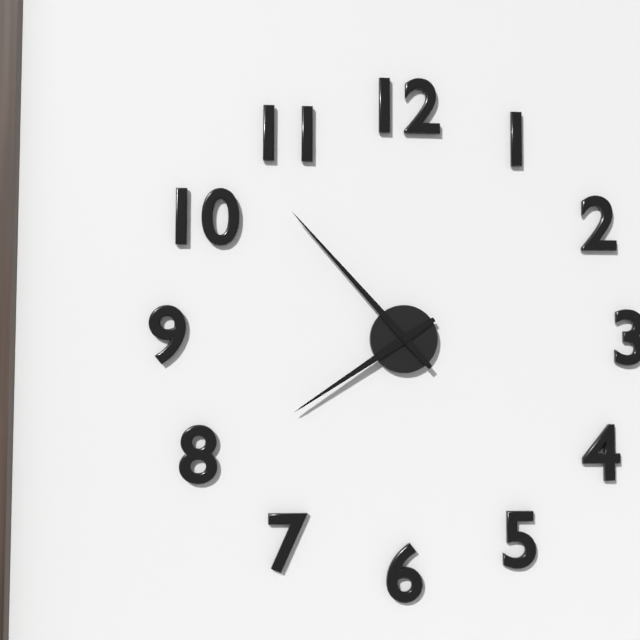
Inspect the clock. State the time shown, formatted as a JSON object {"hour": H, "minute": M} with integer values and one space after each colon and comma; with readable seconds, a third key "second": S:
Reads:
{"hour": 7, "minute": 53}
